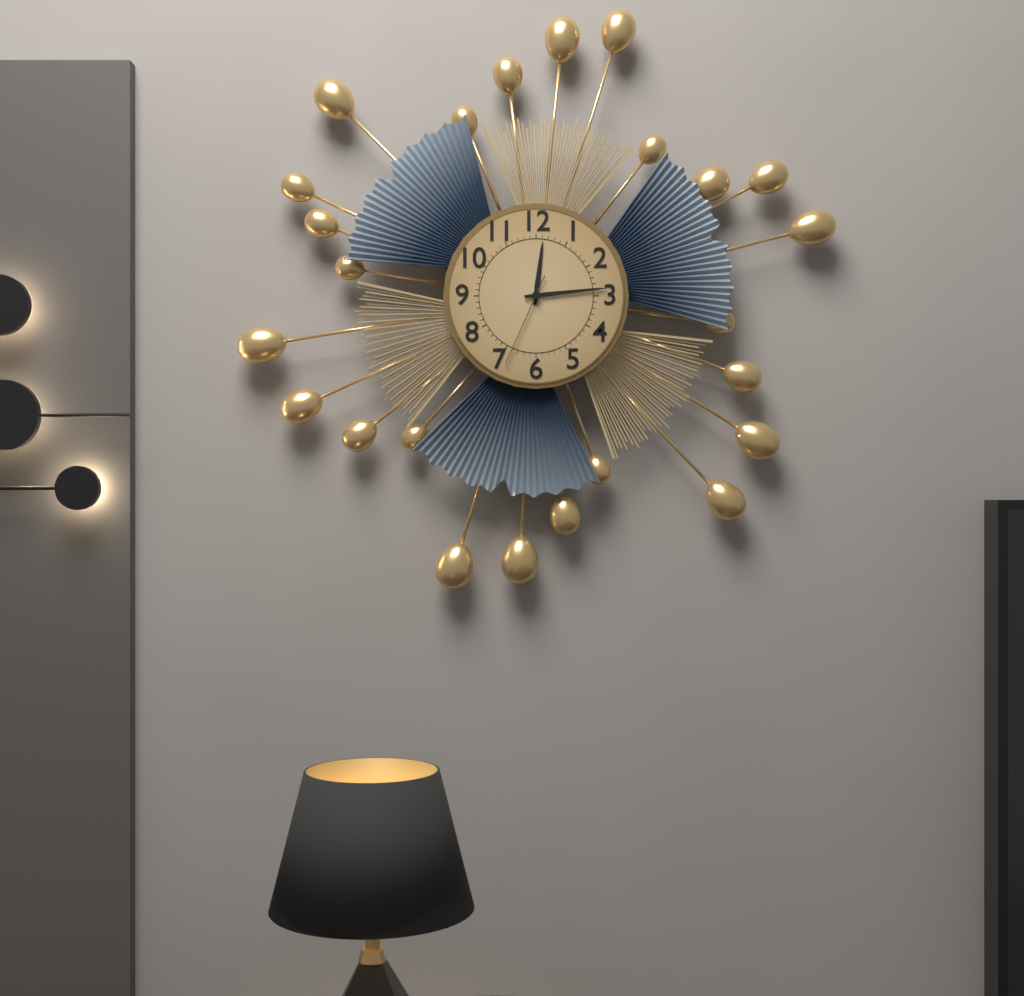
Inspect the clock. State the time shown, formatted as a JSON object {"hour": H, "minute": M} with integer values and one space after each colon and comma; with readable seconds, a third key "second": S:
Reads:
{"hour": 12, "minute": 14, "second": 34}
